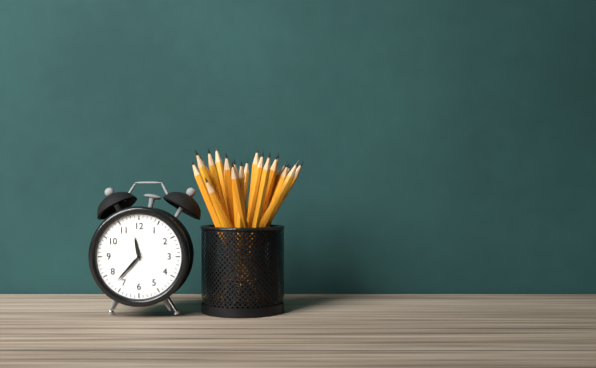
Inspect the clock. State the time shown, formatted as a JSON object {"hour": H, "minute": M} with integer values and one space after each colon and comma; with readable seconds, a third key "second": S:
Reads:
{"hour": 11, "minute": 37}
